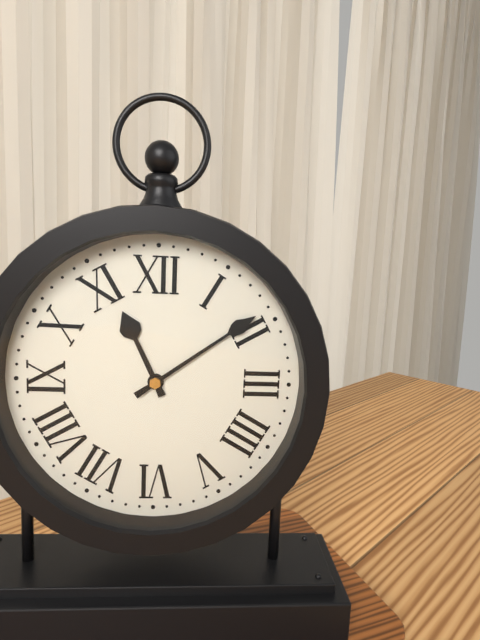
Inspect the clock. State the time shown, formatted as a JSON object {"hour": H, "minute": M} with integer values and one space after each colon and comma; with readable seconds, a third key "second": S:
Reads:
{"hour": 11, "minute": 9}
